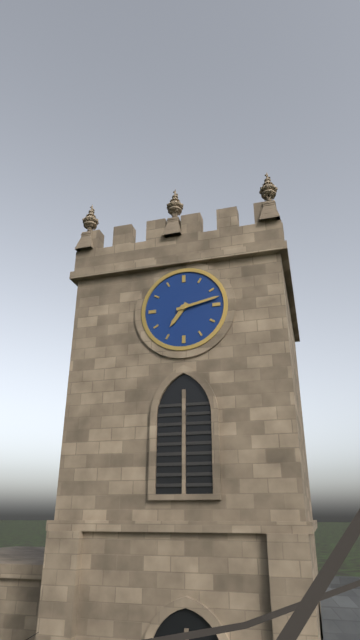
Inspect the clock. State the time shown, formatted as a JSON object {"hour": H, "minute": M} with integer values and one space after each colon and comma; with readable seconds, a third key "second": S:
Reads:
{"hour": 7, "minute": 13}
